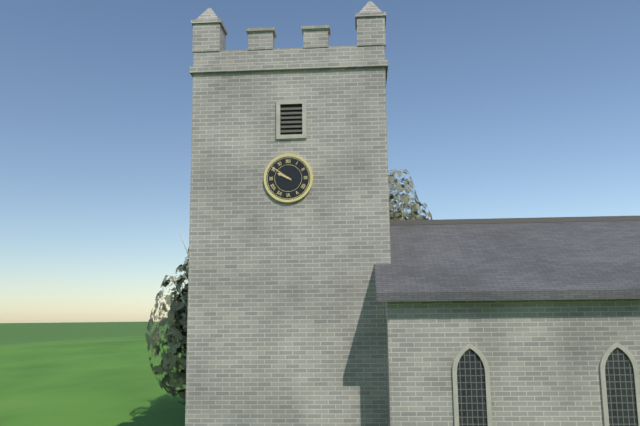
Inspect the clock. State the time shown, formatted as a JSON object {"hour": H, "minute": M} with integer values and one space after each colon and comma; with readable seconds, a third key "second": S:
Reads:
{"hour": 9, "minute": 51}
